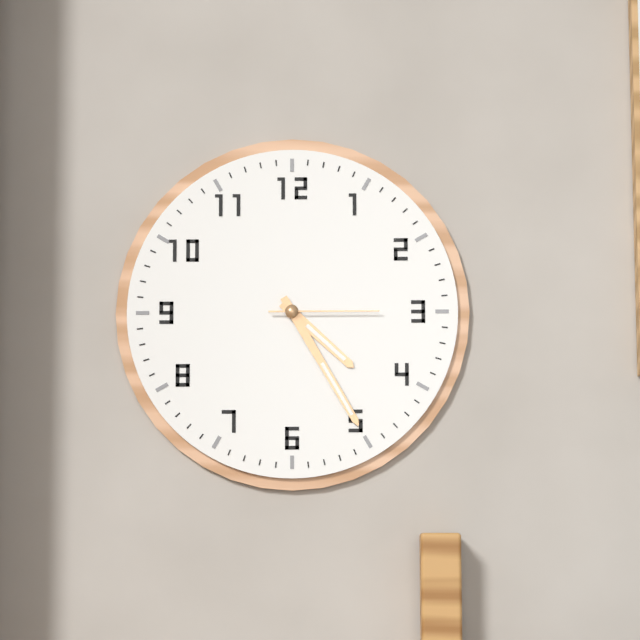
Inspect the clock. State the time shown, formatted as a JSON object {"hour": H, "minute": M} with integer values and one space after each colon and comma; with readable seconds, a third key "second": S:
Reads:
{"hour": 4, "minute": 25, "second": 15}
